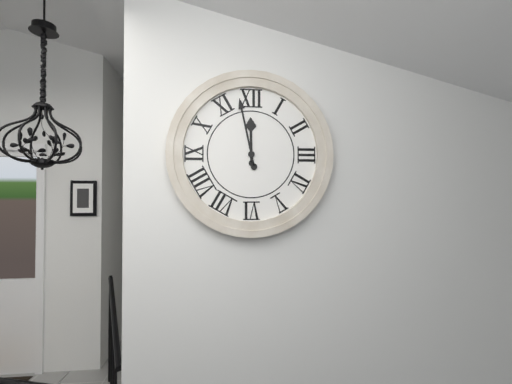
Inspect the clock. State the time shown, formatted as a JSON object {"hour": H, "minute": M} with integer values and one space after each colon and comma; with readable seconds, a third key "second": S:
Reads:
{"hour": 11, "minute": 58}
